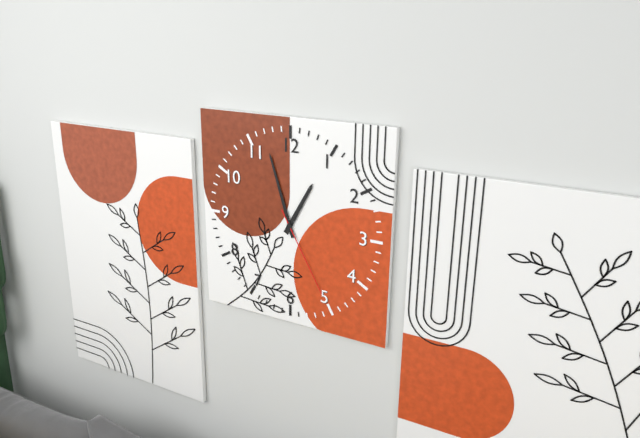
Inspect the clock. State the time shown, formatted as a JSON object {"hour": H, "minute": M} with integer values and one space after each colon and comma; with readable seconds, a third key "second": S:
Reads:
{"hour": 12, "minute": 57, "second": 25}
